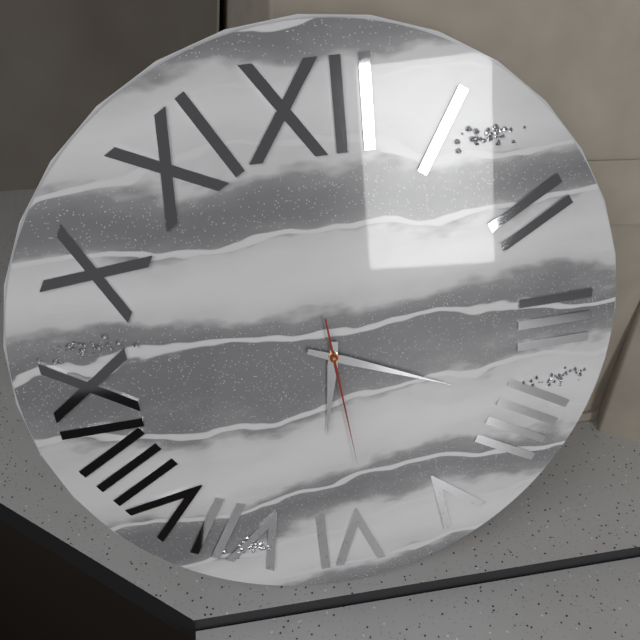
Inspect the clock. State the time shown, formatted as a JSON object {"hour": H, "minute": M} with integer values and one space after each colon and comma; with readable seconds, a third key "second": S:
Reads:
{"hour": 6, "minute": 19, "second": 29}
